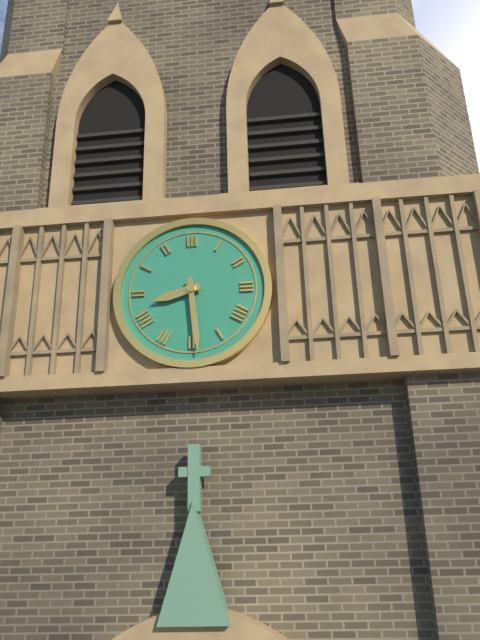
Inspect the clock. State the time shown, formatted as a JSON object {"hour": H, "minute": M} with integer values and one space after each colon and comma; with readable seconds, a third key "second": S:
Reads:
{"hour": 8, "minute": 29}
